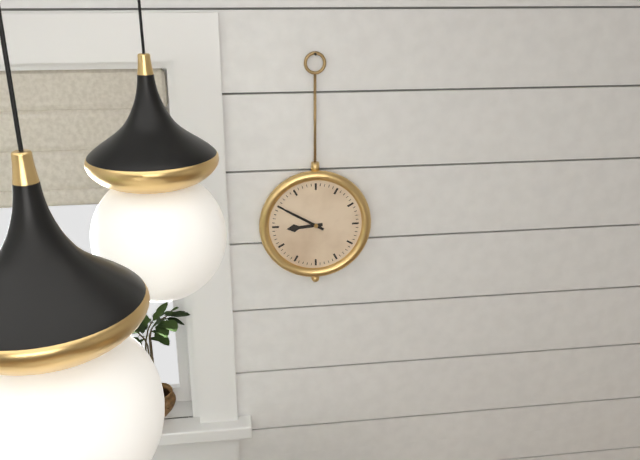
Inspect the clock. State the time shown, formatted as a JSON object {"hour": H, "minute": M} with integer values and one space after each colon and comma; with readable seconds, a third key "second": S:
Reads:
{"hour": 8, "minute": 50}
